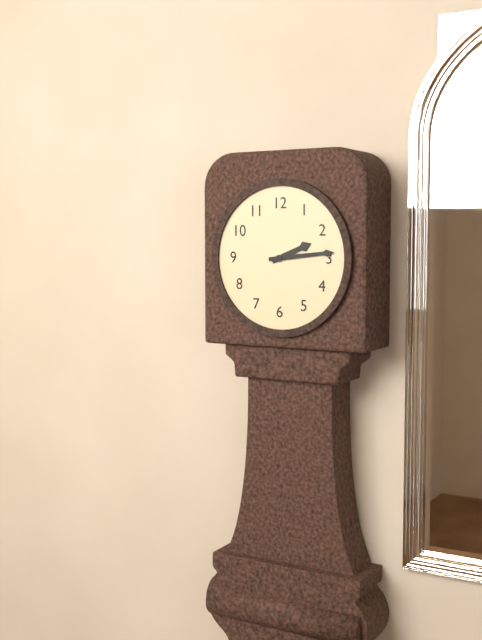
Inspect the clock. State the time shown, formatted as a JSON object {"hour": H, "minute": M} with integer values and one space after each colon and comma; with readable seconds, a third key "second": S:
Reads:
{"hour": 2, "minute": 14}
